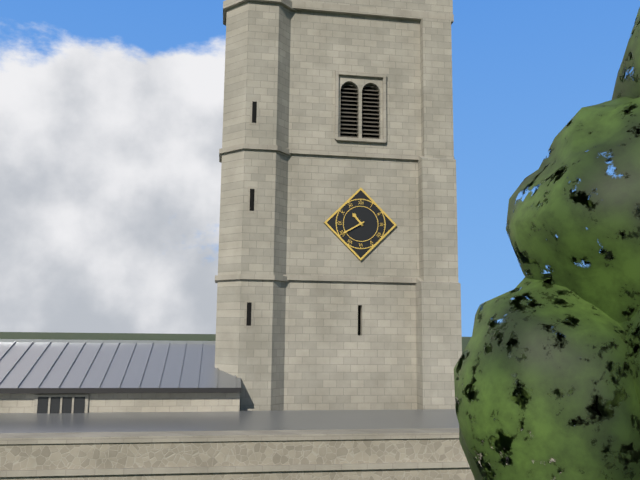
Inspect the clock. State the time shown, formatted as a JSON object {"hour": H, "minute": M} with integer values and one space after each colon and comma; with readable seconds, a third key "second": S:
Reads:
{"hour": 10, "minute": 40}
